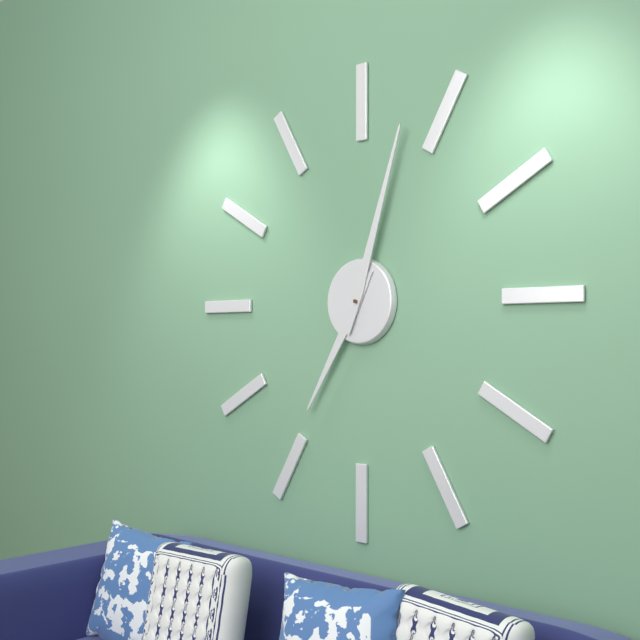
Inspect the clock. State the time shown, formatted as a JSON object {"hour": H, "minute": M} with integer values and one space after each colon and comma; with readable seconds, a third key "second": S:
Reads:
{"hour": 7, "minute": 3}
